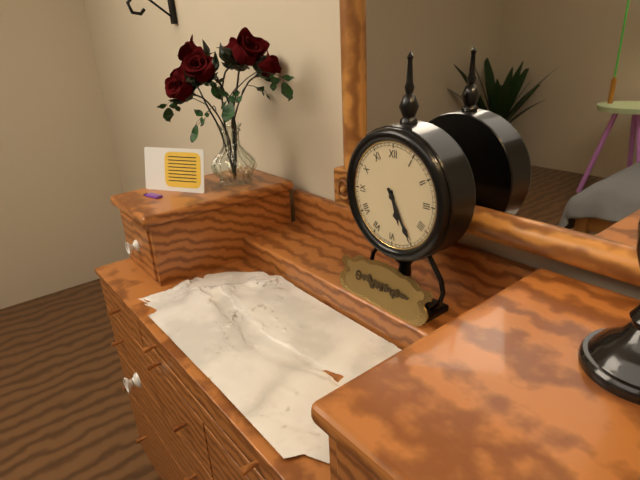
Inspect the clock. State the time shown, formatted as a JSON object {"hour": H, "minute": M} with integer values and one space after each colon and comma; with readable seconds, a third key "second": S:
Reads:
{"hour": 5, "minute": 25}
